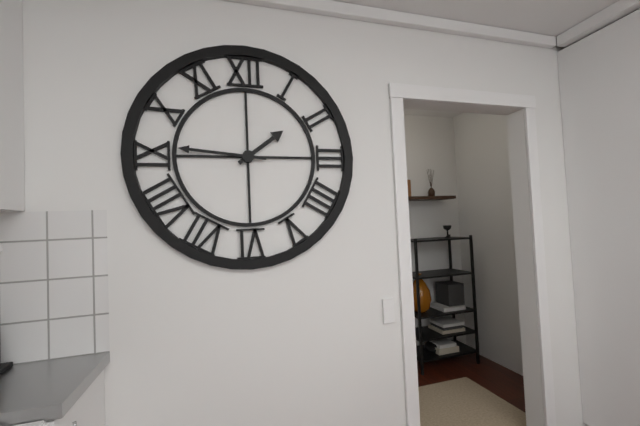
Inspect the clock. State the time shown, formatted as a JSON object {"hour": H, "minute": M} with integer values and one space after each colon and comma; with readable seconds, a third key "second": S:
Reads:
{"hour": 1, "minute": 46}
